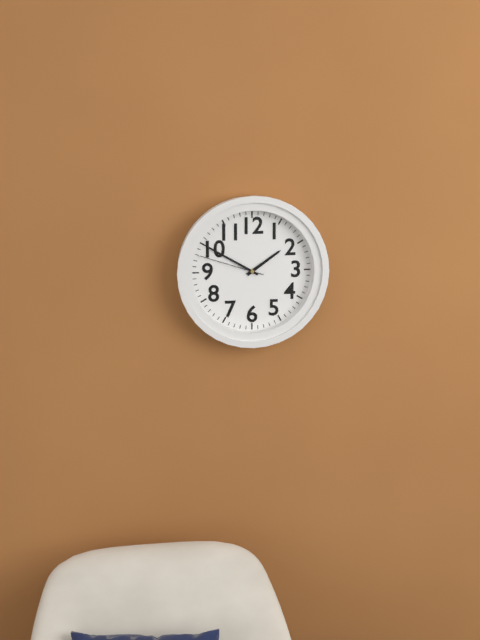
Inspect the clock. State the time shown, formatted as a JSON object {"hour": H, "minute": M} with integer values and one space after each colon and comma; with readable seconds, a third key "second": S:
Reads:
{"hour": 1, "minute": 50, "second": 48}
